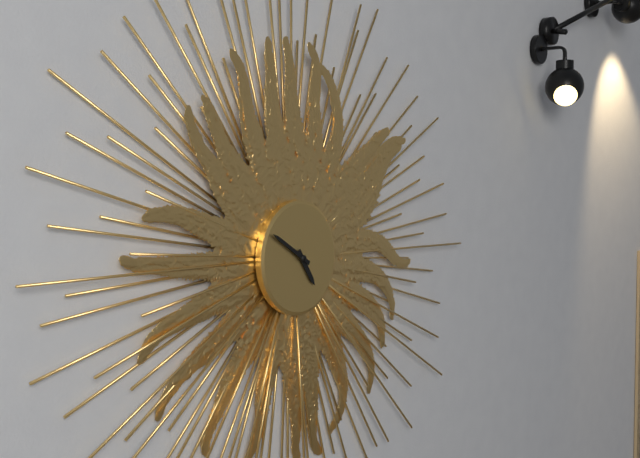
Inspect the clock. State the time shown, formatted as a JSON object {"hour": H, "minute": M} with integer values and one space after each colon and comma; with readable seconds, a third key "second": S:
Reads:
{"hour": 4, "minute": 50}
